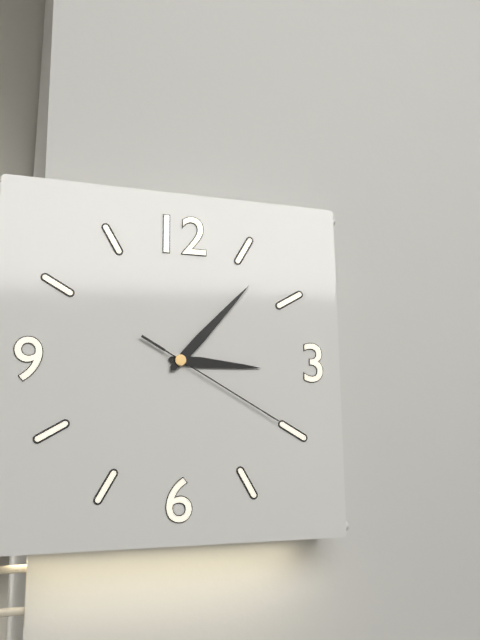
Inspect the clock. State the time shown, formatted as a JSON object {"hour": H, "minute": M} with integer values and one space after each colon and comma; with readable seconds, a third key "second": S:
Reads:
{"hour": 3, "minute": 7, "second": 20}
